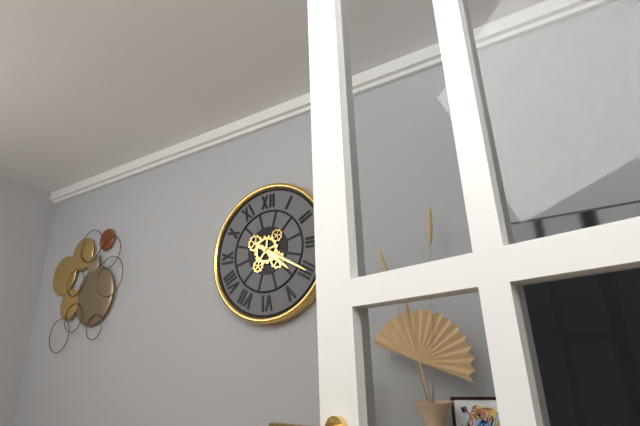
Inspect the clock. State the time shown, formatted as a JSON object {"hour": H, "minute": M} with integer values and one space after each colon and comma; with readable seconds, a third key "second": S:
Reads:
{"hour": 4, "minute": 20}
